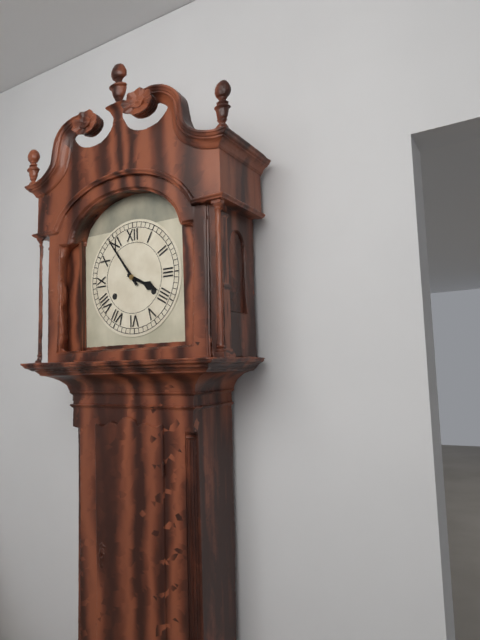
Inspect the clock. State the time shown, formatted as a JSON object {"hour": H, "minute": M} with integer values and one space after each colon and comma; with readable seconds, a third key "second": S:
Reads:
{"hour": 3, "minute": 54}
